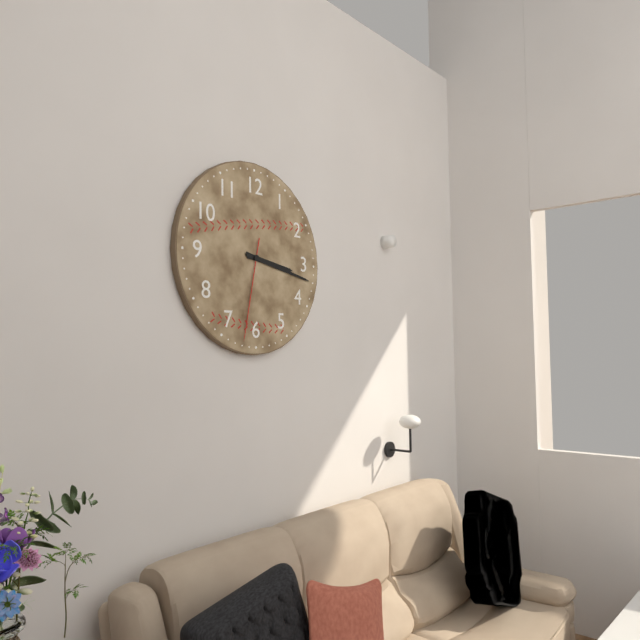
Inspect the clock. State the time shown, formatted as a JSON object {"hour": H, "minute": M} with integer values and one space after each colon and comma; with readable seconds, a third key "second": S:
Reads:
{"hour": 3, "minute": 17, "second": 32}
